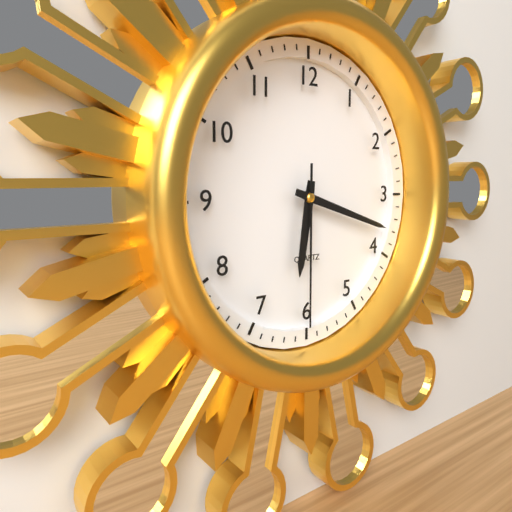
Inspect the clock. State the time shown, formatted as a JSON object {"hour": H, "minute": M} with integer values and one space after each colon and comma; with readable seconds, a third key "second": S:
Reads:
{"hour": 6, "minute": 18, "second": 30}
